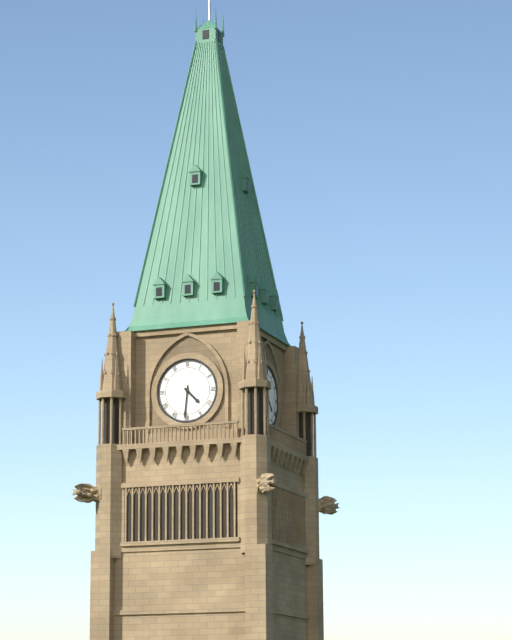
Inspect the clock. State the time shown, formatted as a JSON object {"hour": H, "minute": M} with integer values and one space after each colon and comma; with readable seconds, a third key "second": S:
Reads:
{"hour": 4, "minute": 31}
